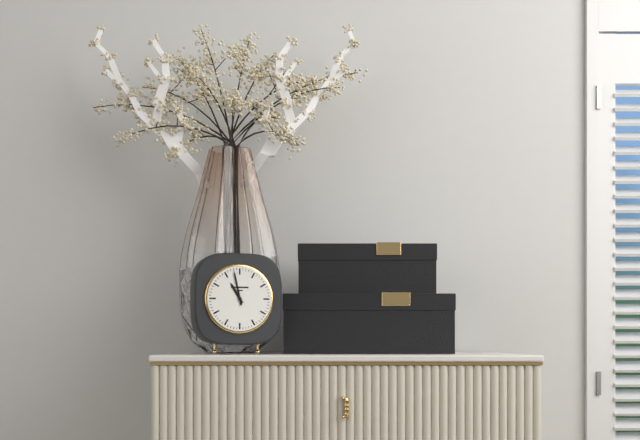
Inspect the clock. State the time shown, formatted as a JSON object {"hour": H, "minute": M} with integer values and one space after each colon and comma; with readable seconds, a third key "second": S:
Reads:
{"hour": 10, "minute": 58}
